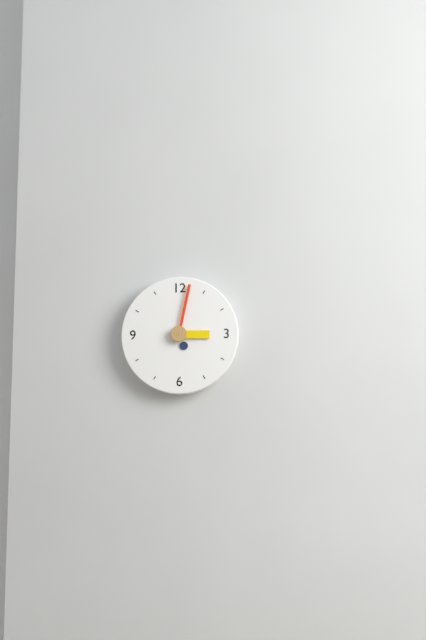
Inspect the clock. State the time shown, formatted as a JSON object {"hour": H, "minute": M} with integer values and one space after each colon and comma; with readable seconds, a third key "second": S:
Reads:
{"hour": 3, "minute": 2}
